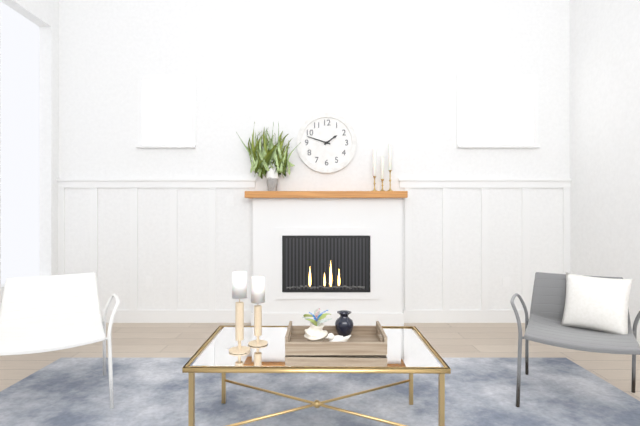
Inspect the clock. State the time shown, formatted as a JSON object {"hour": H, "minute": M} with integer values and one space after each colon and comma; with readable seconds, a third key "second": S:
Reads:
{"hour": 1, "minute": 48}
